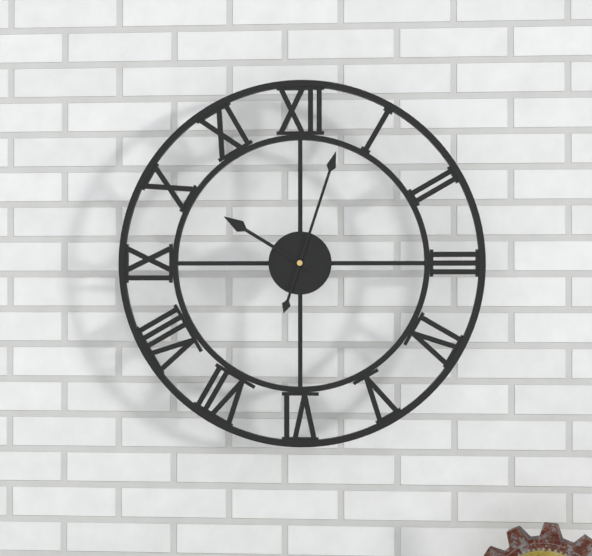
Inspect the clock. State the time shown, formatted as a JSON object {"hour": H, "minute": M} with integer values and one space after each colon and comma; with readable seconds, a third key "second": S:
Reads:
{"hour": 10, "minute": 3}
